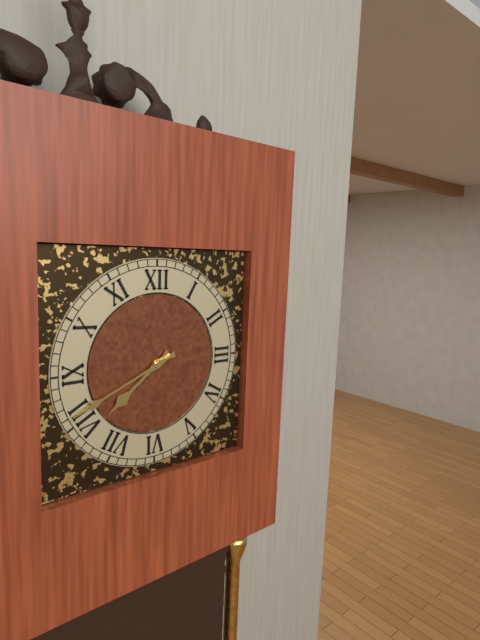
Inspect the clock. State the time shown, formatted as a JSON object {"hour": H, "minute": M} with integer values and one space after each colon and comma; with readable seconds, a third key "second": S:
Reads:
{"hour": 7, "minute": 41}
